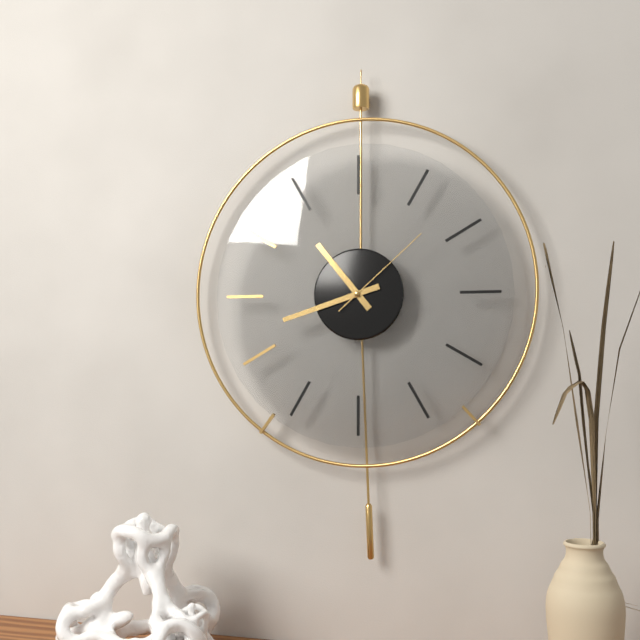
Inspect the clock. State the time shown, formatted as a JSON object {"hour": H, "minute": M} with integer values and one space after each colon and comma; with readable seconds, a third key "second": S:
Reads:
{"hour": 10, "minute": 42, "second": 8}
